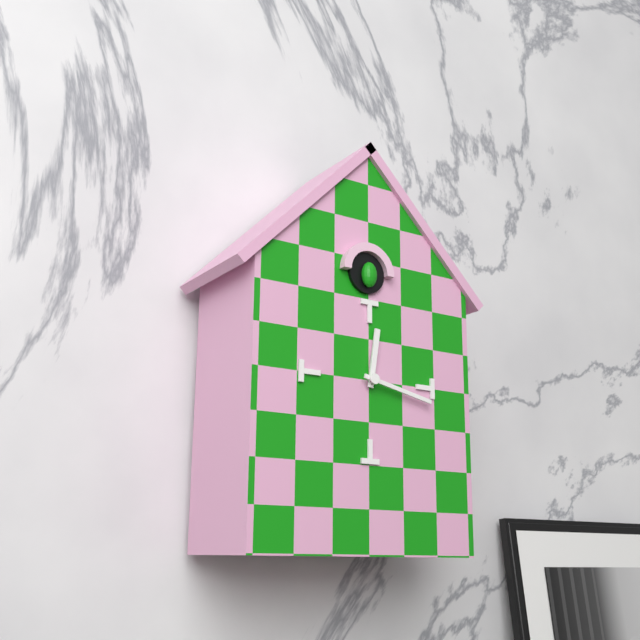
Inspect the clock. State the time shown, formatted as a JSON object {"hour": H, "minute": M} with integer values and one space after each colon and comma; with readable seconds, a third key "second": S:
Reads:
{"hour": 12, "minute": 17}
